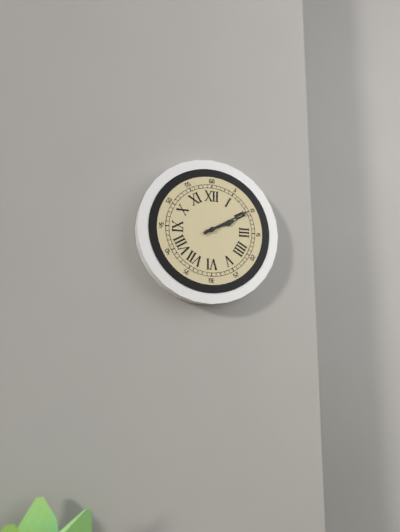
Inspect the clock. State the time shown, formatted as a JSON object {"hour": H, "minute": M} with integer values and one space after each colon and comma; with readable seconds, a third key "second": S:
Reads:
{"hour": 2, "minute": 10}
